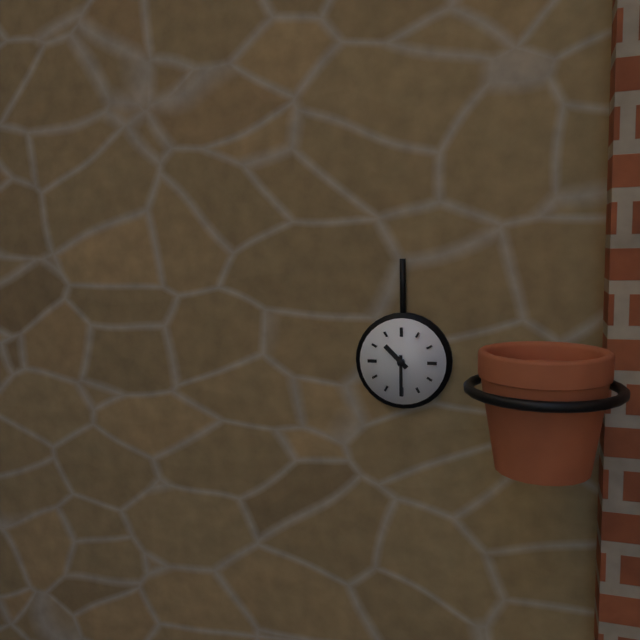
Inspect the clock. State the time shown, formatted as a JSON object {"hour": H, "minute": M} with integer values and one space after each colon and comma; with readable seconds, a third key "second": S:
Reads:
{"hour": 10, "minute": 30}
